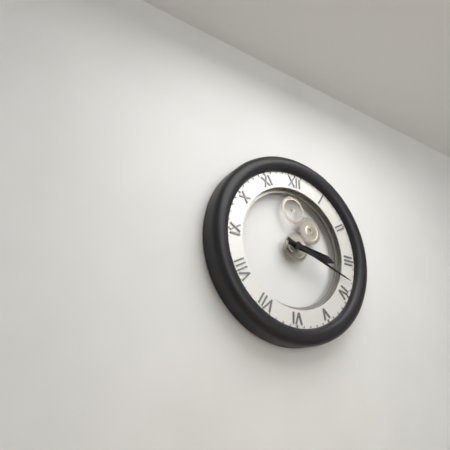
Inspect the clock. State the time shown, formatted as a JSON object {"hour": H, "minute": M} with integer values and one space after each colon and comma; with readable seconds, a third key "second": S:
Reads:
{"hour": 3, "minute": 18}
